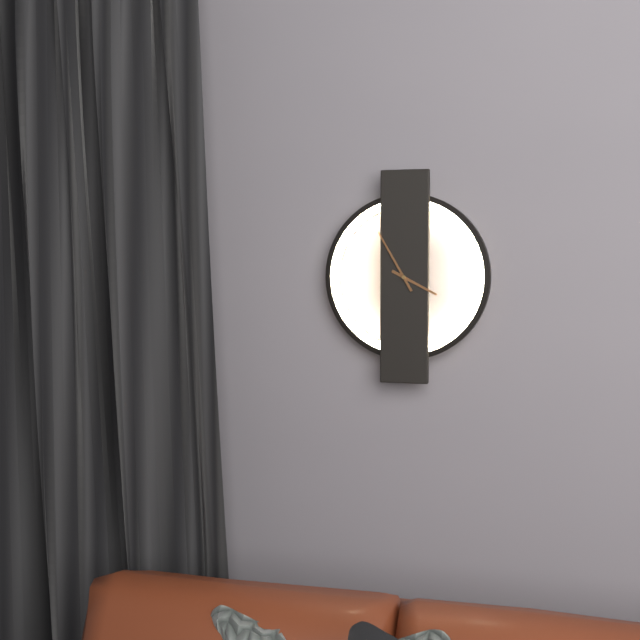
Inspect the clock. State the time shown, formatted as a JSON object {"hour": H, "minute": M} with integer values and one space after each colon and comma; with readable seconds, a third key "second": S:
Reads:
{"hour": 3, "minute": 55}
